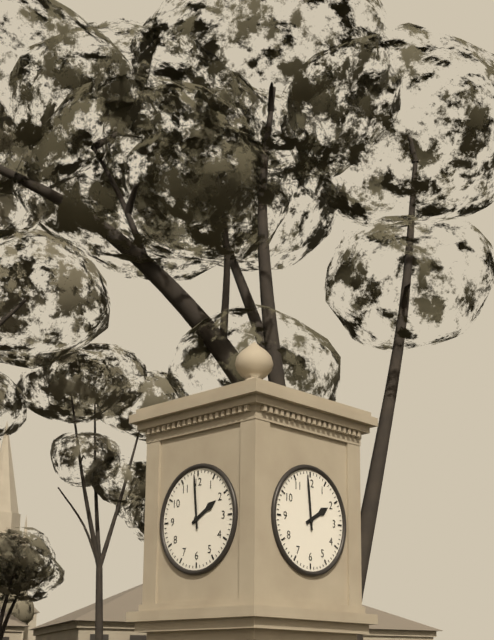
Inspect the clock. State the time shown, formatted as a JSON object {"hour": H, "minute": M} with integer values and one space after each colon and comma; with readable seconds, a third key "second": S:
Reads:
{"hour": 1, "minute": 59}
